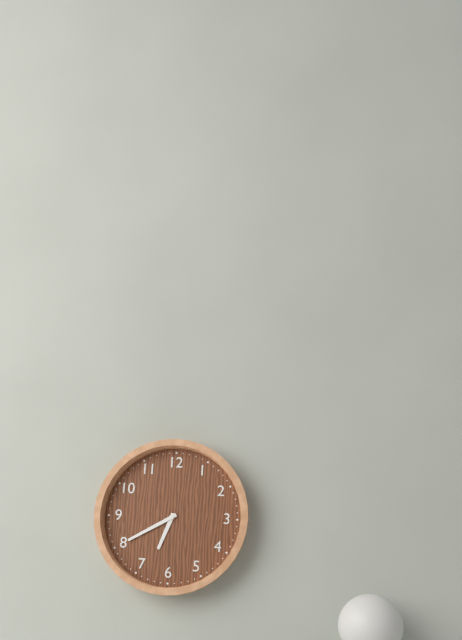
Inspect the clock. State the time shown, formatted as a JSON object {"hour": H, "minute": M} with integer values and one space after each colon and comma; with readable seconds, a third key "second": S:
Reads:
{"hour": 6, "minute": 40}
